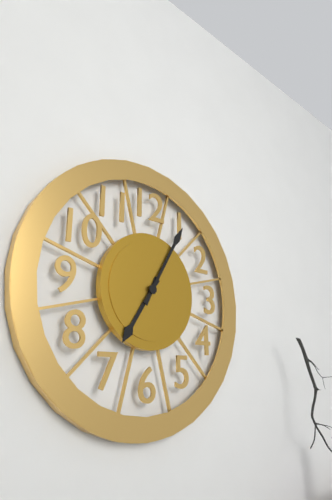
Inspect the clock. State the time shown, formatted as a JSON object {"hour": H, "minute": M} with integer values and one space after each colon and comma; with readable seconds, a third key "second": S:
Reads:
{"hour": 7, "minute": 5}
